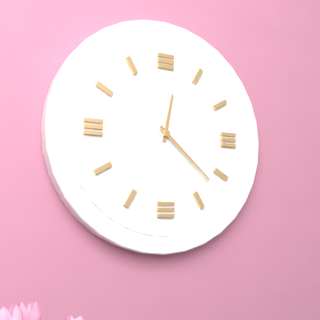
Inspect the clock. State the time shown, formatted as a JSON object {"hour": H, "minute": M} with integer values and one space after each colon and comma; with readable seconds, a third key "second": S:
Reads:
{"hour": 12, "minute": 22}
